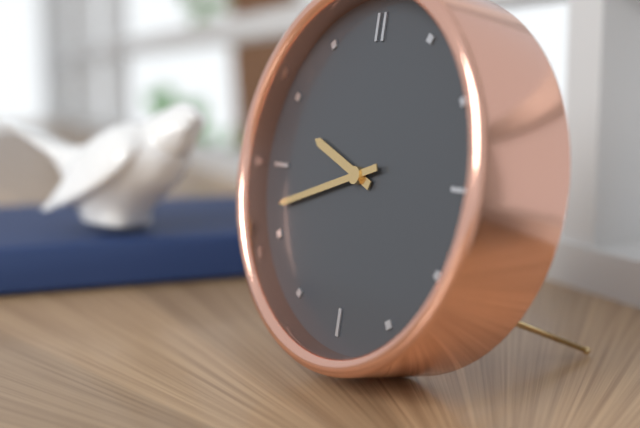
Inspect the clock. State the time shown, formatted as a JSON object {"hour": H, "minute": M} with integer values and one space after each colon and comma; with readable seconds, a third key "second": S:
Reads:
{"hour": 9, "minute": 42}
